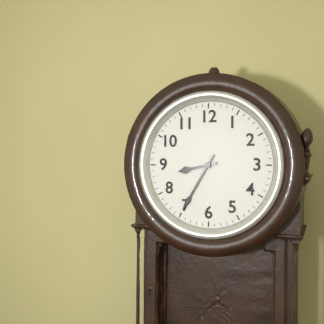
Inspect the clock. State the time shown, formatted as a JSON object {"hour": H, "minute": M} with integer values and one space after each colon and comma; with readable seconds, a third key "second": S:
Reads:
{"hour": 8, "minute": 35}
